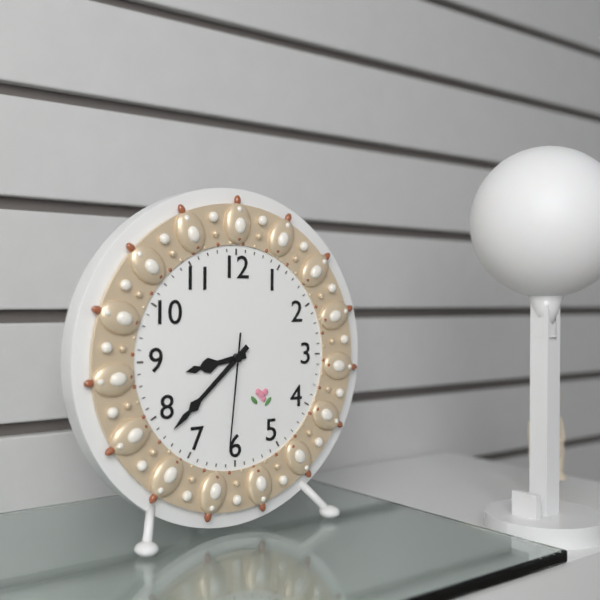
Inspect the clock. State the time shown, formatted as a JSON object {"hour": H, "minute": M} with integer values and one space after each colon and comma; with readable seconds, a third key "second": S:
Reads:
{"hour": 8, "minute": 38, "second": 31}
